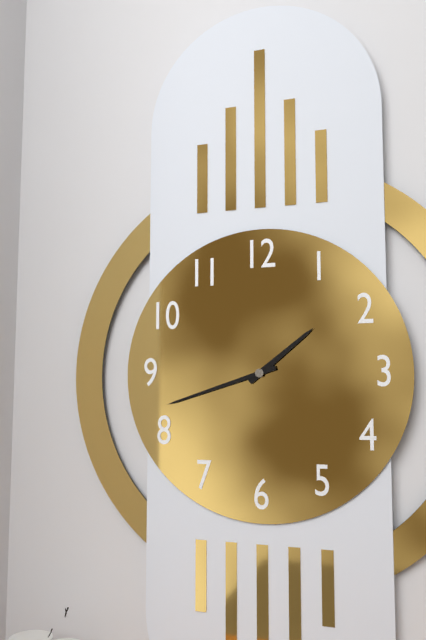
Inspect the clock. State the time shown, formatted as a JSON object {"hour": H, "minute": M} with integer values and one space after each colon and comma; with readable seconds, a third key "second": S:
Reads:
{"hour": 1, "minute": 42}
